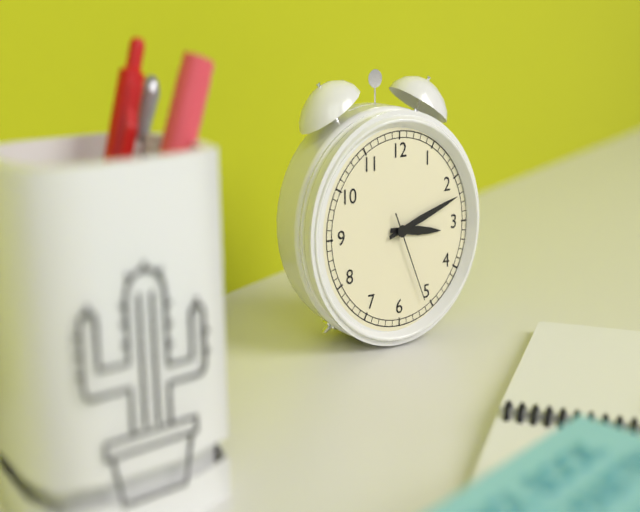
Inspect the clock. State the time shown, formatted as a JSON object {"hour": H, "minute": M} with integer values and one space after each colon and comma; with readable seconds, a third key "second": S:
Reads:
{"hour": 3, "minute": 12, "second": 26}
